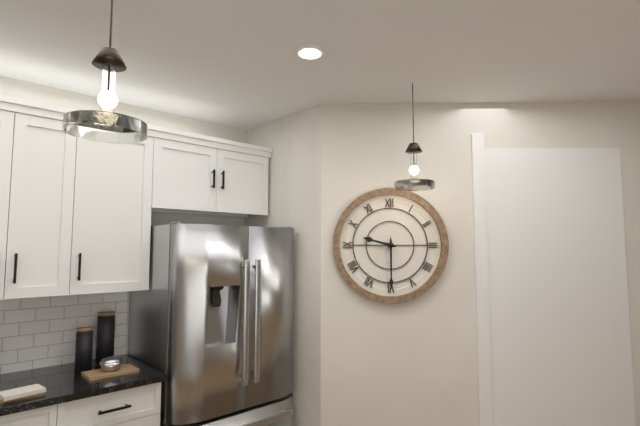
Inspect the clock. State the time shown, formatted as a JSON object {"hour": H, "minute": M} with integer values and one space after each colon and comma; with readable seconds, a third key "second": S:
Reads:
{"hour": 9, "minute": 30}
